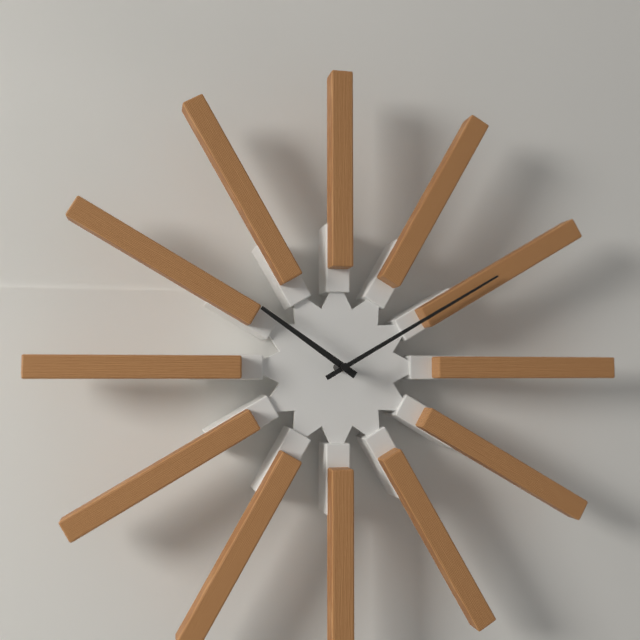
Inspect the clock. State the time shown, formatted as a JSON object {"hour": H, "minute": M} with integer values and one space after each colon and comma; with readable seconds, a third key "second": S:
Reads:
{"hour": 10, "minute": 10}
